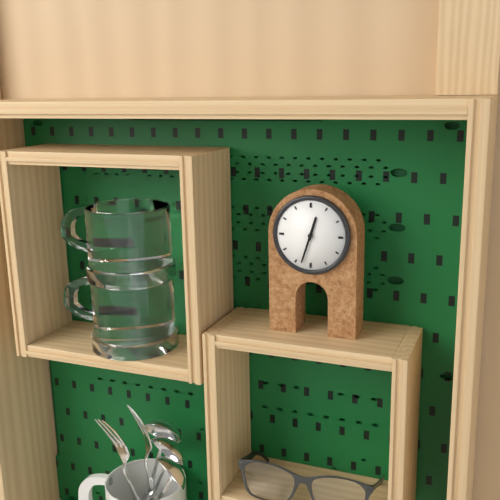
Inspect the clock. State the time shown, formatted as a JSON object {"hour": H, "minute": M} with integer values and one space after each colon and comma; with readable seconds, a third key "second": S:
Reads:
{"hour": 12, "minute": 33}
